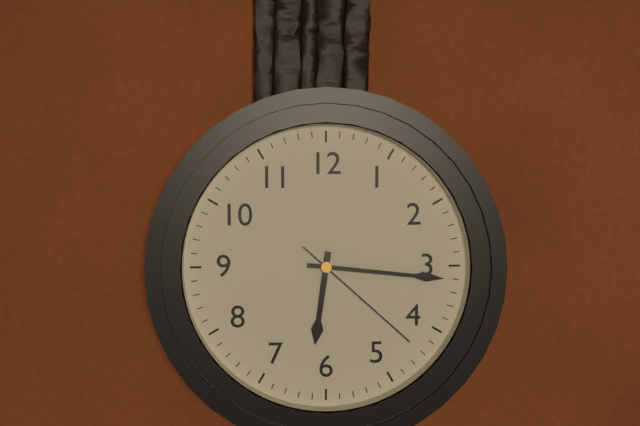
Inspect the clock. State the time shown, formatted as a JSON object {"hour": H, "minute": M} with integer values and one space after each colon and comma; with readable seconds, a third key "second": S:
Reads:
{"hour": 6, "minute": 16, "second": 22}
